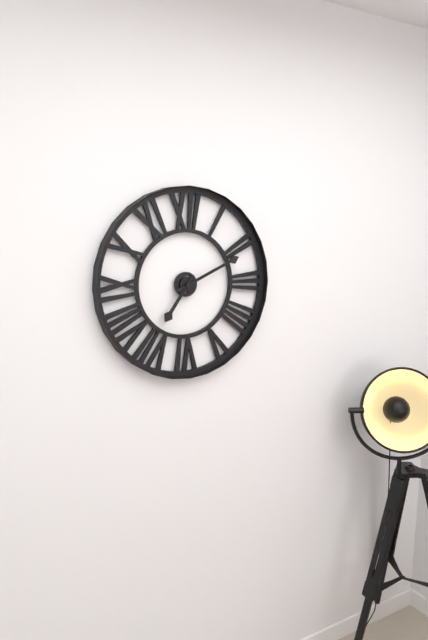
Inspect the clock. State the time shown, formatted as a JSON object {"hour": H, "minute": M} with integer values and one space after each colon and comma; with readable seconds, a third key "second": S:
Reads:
{"hour": 7, "minute": 11}
